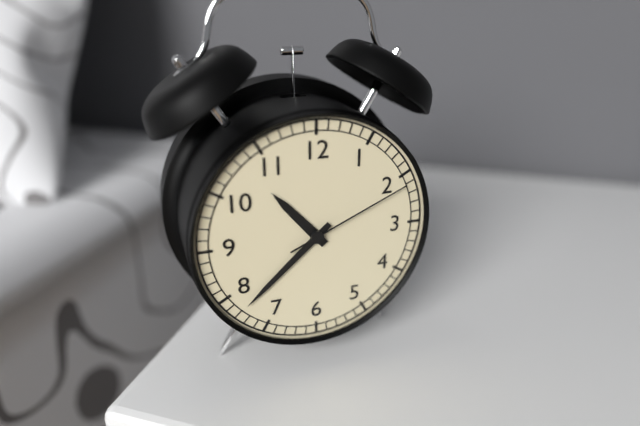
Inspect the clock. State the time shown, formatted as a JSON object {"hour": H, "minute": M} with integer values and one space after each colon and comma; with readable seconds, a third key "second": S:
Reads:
{"hour": 10, "minute": 38, "second": 11}
